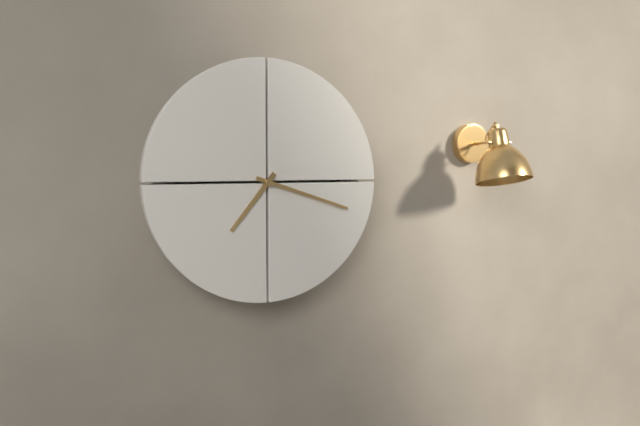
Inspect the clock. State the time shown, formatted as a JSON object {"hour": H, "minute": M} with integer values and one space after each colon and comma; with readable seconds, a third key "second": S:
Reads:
{"hour": 7, "minute": 18}
